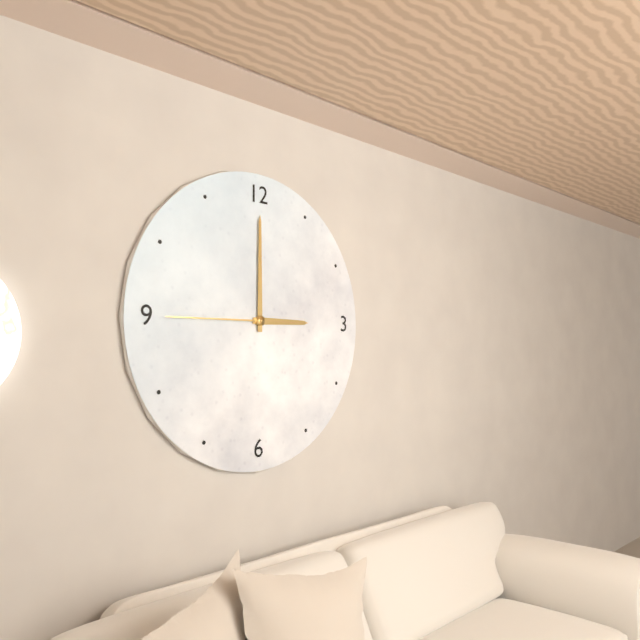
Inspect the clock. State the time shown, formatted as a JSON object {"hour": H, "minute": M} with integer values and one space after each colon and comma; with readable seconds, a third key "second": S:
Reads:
{"hour": 3, "minute": 0, "second": 45}
